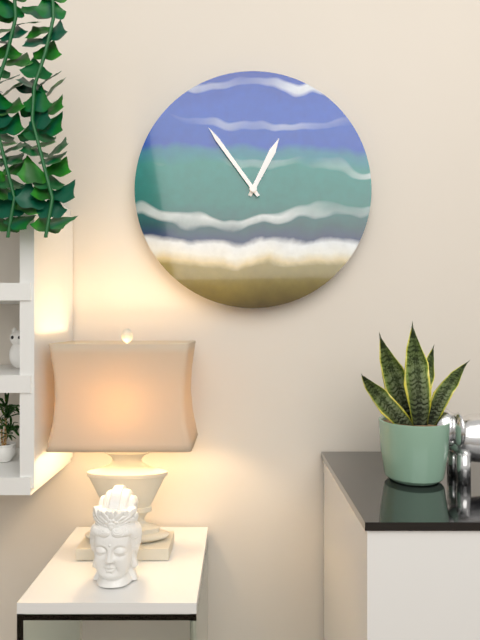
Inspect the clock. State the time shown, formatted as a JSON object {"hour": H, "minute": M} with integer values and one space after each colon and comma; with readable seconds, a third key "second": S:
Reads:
{"hour": 12, "minute": 54}
